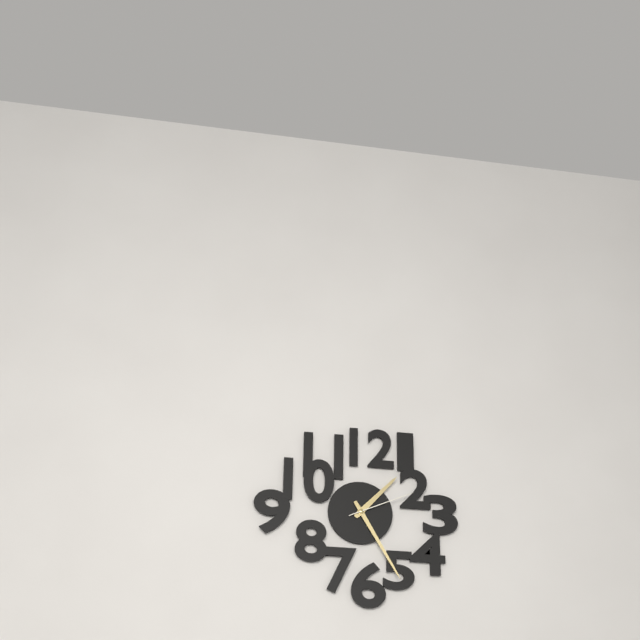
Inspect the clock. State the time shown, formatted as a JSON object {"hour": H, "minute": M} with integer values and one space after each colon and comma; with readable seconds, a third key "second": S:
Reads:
{"hour": 1, "minute": 25, "second": 11}
